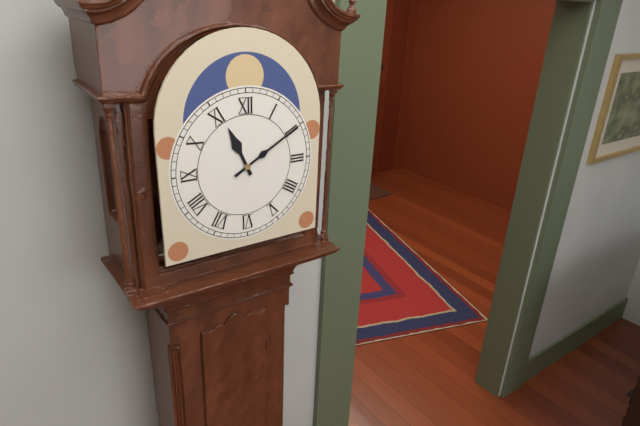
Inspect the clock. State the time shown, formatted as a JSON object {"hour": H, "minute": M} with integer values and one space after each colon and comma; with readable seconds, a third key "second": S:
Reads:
{"hour": 11, "minute": 10}
